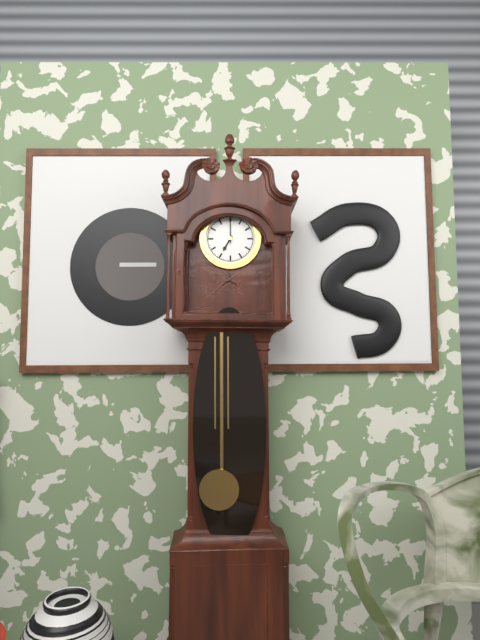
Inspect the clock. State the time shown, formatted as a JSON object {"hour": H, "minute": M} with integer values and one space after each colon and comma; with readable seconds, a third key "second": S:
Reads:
{"hour": 7, "minute": 0}
